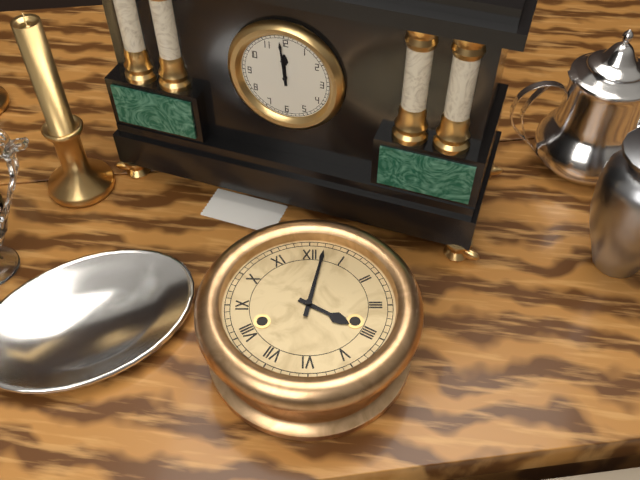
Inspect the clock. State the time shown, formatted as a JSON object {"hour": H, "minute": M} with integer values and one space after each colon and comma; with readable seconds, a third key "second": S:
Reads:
{"hour": 4, "minute": 2}
